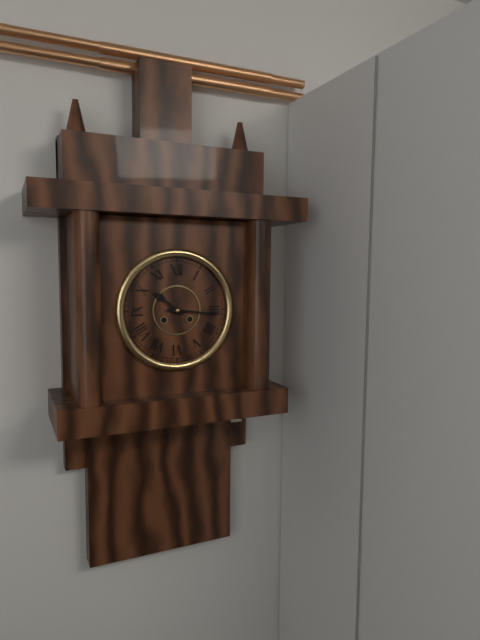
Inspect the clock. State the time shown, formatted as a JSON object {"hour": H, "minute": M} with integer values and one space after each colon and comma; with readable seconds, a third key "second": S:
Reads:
{"hour": 10, "minute": 16}
